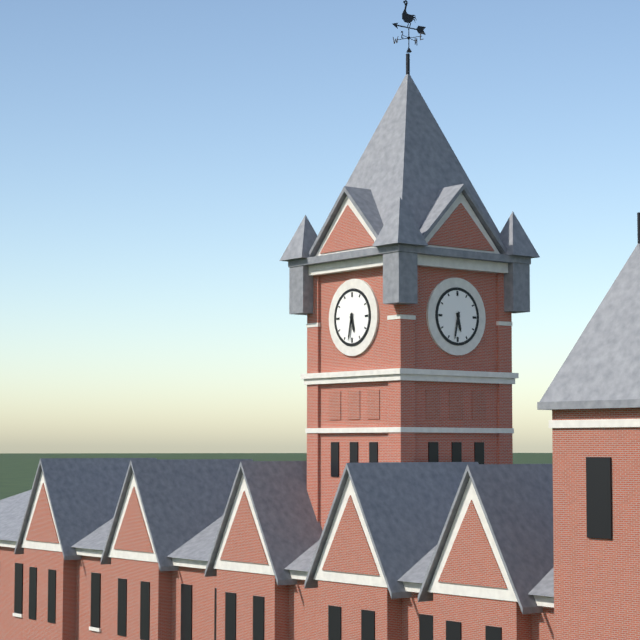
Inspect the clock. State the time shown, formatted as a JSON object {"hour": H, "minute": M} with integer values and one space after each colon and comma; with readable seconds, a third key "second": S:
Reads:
{"hour": 5, "minute": 32}
